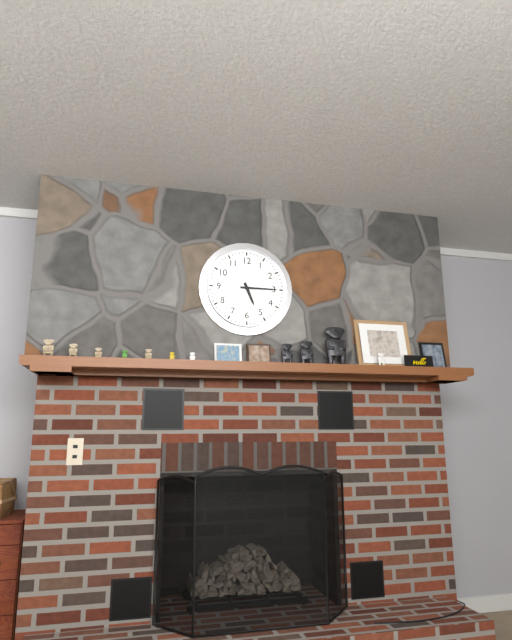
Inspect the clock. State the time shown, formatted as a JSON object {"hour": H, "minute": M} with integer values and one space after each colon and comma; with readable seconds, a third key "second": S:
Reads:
{"hour": 5, "minute": 15}
